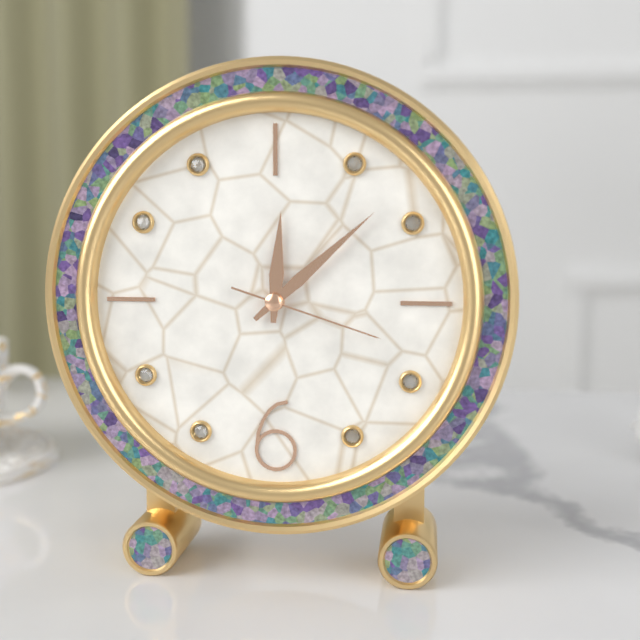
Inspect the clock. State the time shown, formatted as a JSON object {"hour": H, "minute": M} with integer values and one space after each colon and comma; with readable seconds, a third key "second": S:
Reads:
{"hour": 12, "minute": 8, "second": 18}
